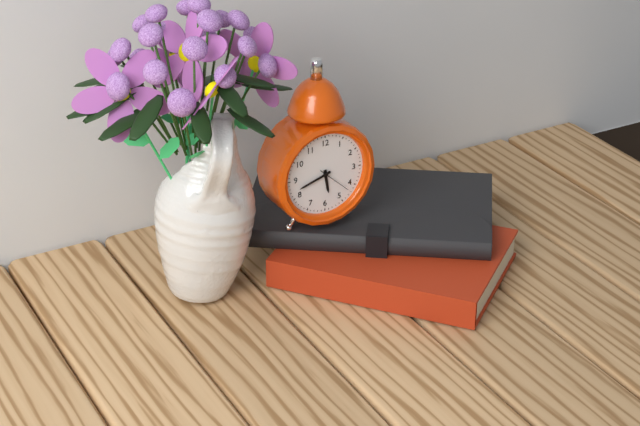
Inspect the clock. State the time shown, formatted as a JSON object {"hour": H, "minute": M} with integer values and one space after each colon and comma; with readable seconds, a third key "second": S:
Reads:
{"hour": 5, "minute": 42}
